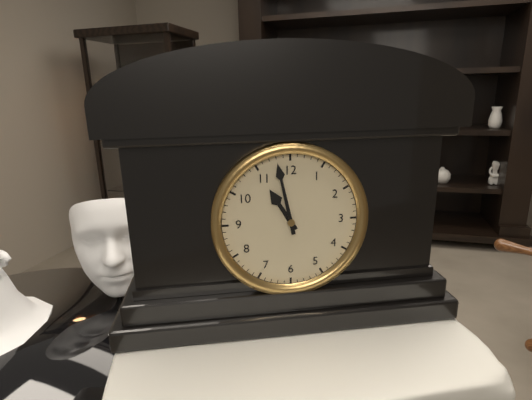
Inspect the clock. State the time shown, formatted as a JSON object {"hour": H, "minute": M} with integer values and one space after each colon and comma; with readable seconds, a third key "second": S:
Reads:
{"hour": 10, "minute": 58}
